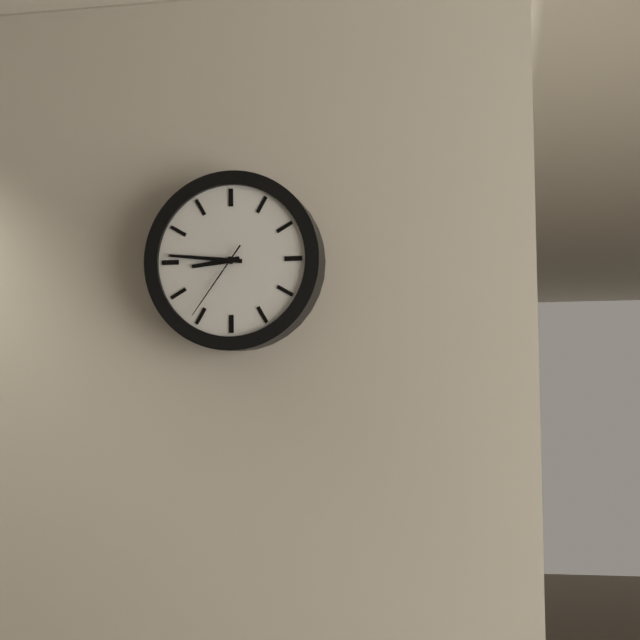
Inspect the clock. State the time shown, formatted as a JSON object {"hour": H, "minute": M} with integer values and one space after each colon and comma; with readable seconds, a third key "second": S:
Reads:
{"hour": 8, "minute": 46, "second": 36}
